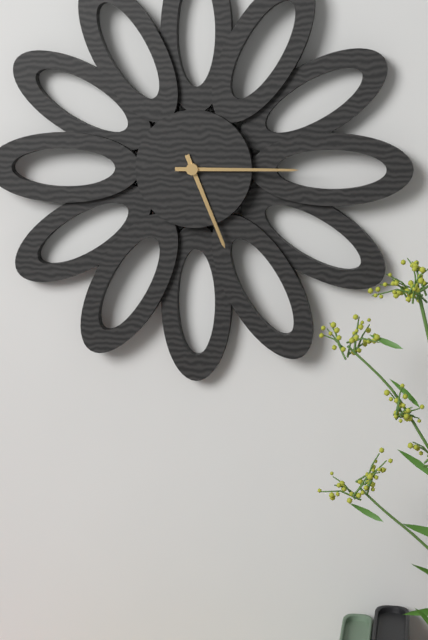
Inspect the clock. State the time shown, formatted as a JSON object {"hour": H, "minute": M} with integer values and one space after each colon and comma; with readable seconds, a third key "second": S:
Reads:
{"hour": 5, "minute": 15}
